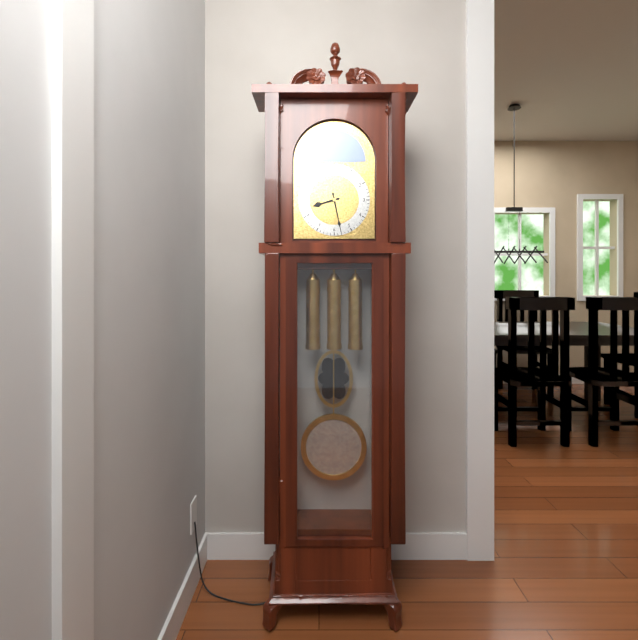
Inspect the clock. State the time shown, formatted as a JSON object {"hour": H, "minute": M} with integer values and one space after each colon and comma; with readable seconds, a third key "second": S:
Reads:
{"hour": 8, "minute": 28}
